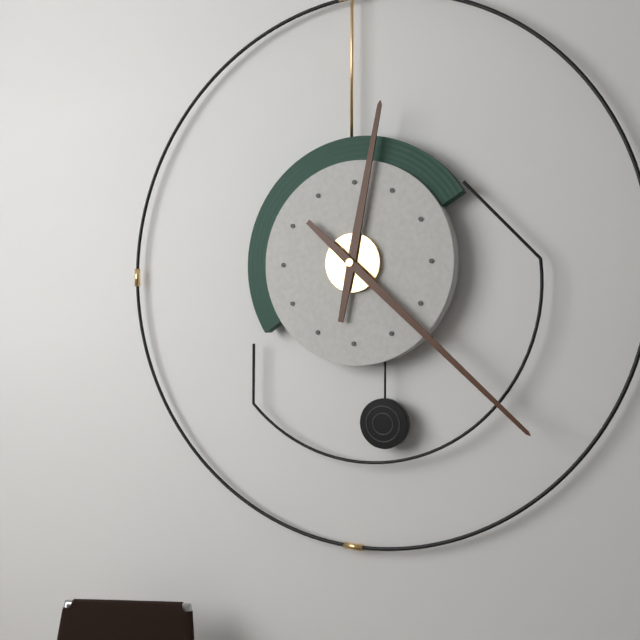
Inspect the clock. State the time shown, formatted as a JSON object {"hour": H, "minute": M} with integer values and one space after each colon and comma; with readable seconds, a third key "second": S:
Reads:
{"hour": 12, "minute": 22}
